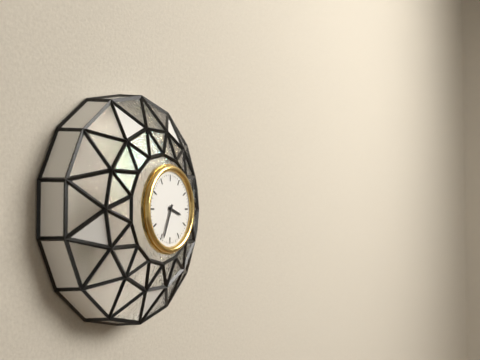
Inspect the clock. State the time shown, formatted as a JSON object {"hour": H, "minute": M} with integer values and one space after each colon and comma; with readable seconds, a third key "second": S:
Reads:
{"hour": 3, "minute": 34}
